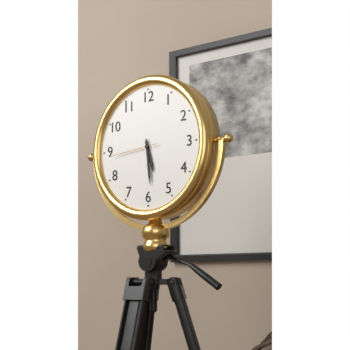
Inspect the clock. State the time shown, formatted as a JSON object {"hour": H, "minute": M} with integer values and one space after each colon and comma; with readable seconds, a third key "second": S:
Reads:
{"hour": 5, "minute": 29}
